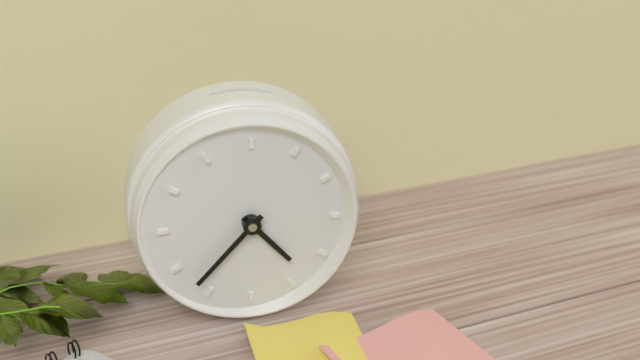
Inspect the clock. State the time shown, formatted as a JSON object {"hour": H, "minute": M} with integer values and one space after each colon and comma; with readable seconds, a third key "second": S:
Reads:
{"hour": 4, "minute": 37}
